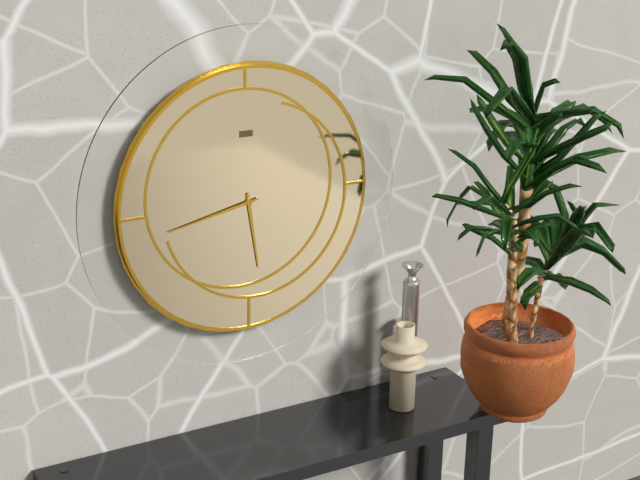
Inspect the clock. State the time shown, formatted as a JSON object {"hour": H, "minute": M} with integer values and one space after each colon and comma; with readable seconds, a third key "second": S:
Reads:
{"hour": 5, "minute": 43}
